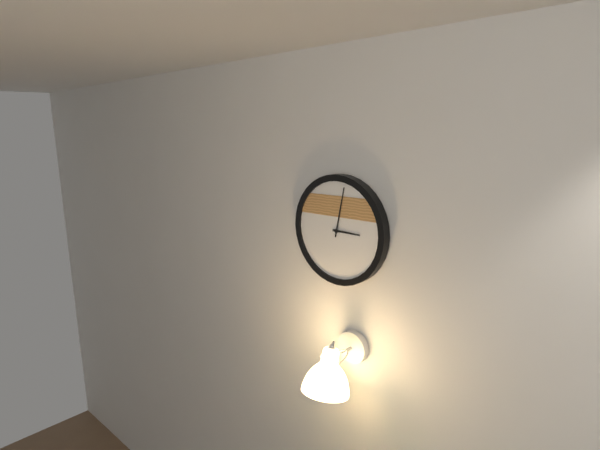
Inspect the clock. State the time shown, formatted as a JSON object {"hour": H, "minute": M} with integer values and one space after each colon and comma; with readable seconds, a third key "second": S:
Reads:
{"hour": 3, "minute": 2}
